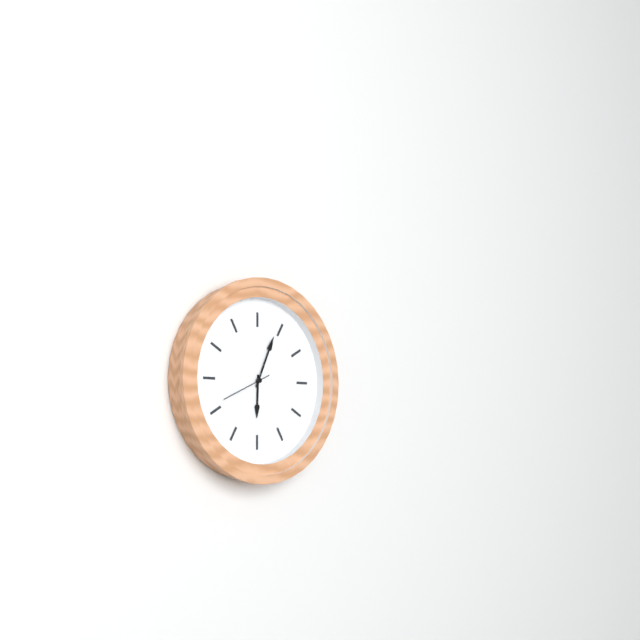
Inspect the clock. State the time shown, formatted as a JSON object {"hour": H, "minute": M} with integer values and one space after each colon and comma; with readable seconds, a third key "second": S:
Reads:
{"hour": 6, "minute": 4}
